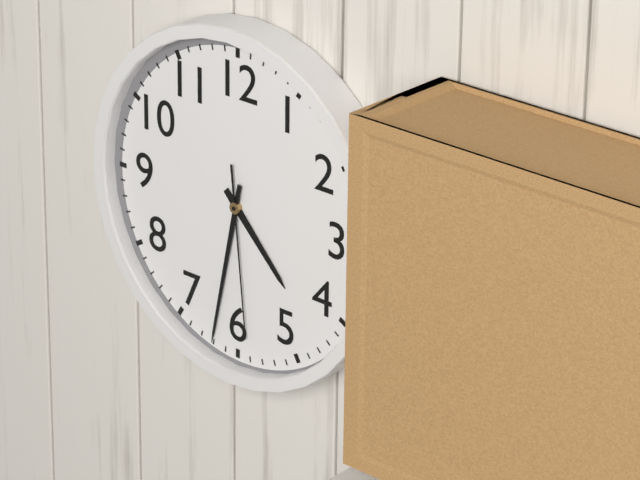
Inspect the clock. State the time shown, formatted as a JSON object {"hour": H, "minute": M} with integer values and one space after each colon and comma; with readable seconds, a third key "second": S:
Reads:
{"hour": 4, "minute": 32, "second": 29}
